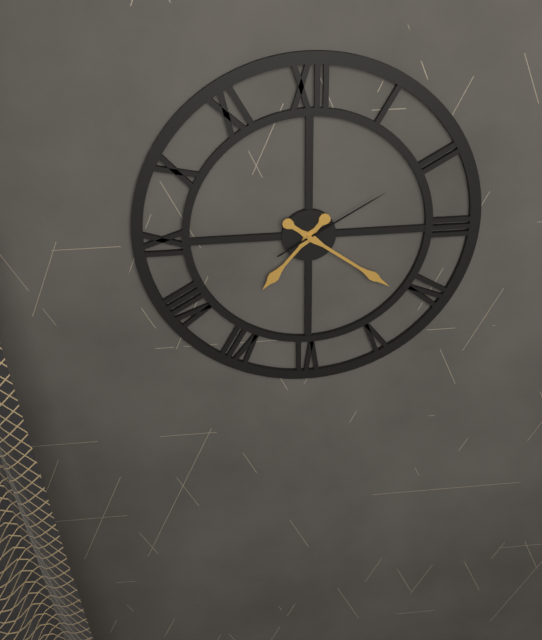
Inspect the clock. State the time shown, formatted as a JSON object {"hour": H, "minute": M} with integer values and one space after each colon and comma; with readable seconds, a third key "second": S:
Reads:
{"hour": 7, "minute": 21, "second": 10}
